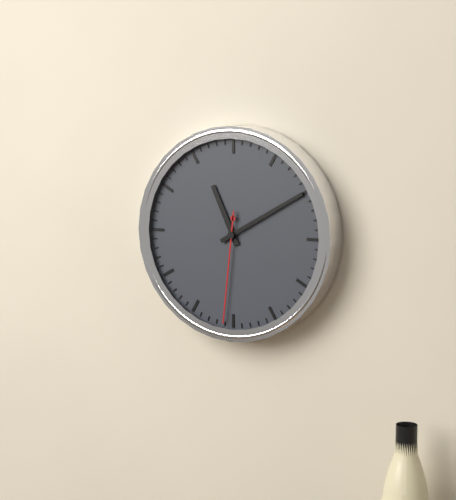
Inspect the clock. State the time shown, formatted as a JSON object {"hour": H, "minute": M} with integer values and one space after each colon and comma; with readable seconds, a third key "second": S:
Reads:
{"hour": 11, "minute": 10, "second": 31}
